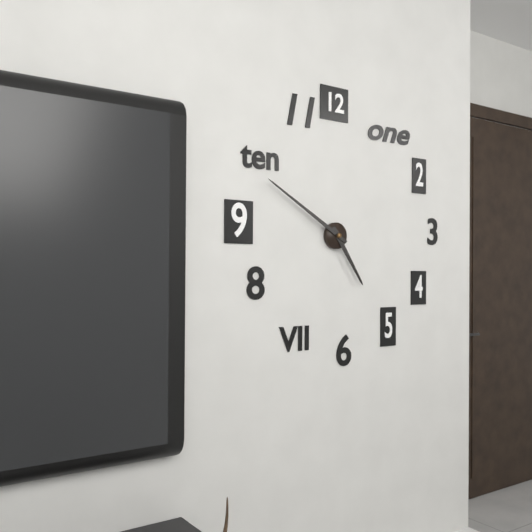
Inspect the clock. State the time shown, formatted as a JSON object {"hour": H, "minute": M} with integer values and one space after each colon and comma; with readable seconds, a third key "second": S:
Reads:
{"hour": 4, "minute": 50}
